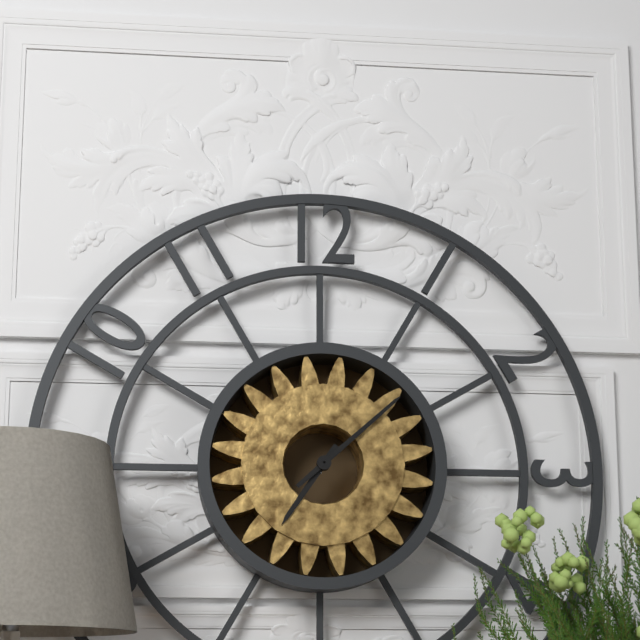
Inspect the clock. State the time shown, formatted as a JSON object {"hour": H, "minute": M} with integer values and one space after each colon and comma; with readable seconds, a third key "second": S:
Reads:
{"hour": 7, "minute": 8}
